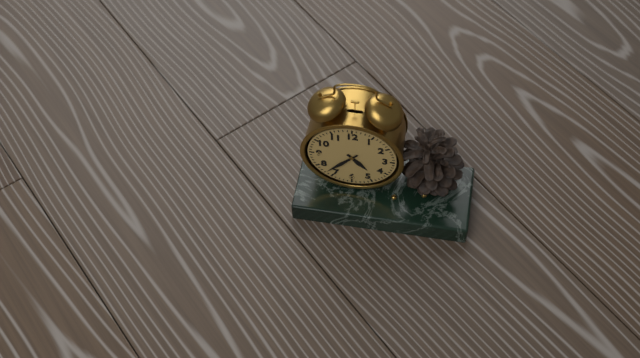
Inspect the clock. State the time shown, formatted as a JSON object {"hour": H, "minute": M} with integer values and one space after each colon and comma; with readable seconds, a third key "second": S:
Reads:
{"hour": 4, "minute": 37}
